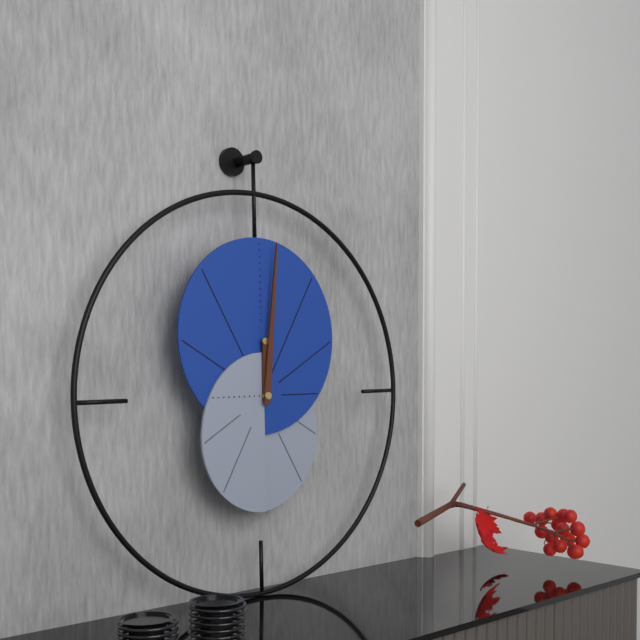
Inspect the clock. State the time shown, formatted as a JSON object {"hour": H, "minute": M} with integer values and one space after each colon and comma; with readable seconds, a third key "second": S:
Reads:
{"hour": 12, "minute": 1}
